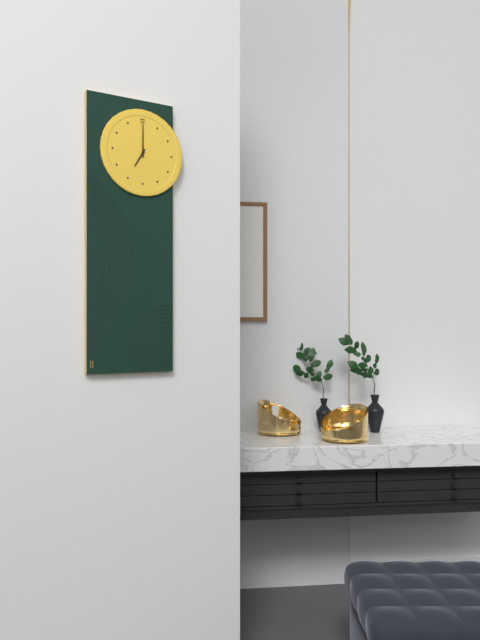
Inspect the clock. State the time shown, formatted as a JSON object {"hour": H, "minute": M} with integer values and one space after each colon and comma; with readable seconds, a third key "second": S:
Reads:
{"hour": 7, "minute": 0}
